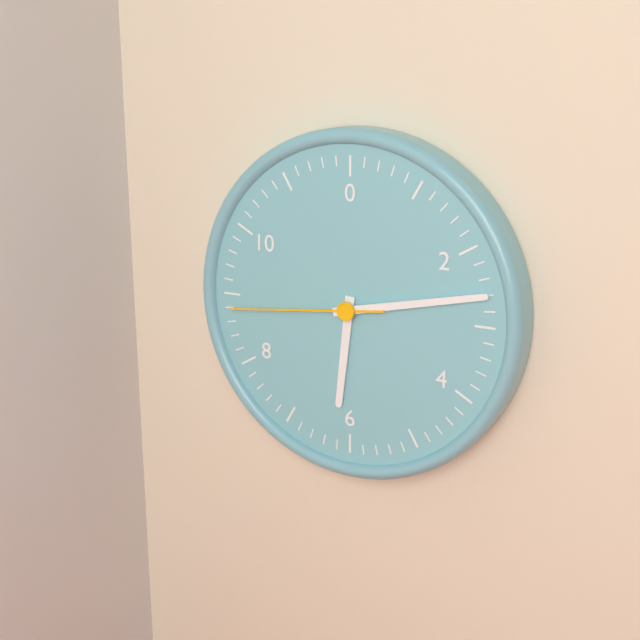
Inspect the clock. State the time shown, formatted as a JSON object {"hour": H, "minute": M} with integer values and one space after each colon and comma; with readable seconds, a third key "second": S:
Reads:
{"hour": 6, "minute": 13, "second": 44}
